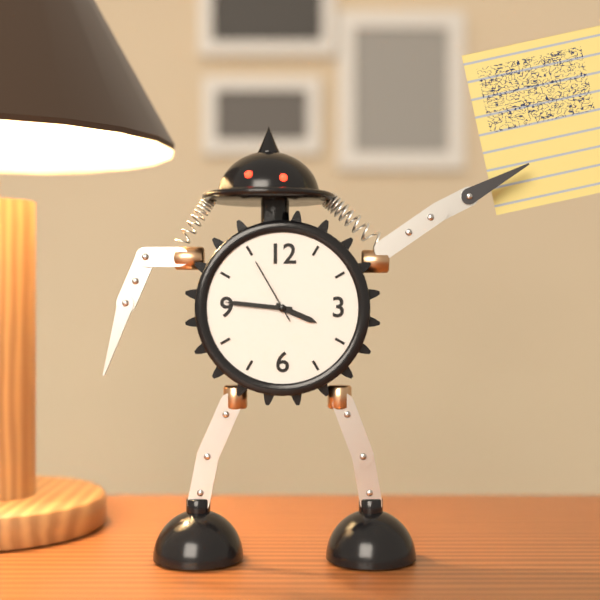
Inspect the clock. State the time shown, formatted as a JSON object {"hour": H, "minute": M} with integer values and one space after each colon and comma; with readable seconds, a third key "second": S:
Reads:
{"hour": 3, "minute": 46, "second": 55}
